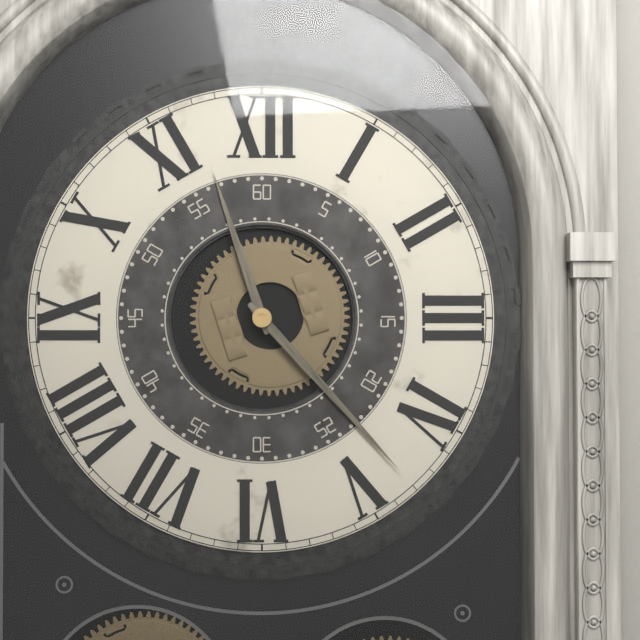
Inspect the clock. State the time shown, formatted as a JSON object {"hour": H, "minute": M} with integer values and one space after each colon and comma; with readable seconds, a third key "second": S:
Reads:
{"hour": 11, "minute": 23}
